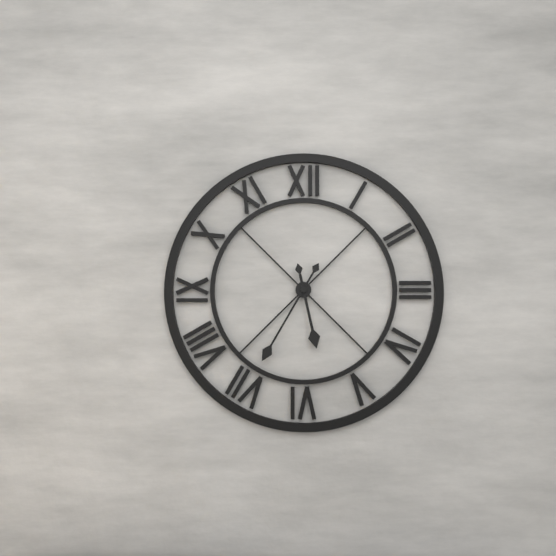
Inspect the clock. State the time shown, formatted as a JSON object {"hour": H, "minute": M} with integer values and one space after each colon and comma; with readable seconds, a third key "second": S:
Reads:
{"hour": 5, "minute": 35}
